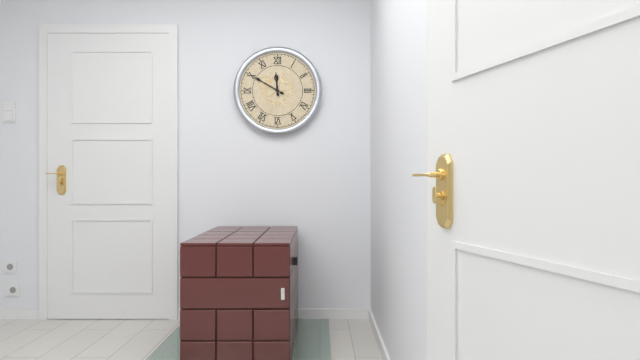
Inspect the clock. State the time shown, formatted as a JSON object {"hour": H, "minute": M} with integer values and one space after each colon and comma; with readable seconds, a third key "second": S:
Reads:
{"hour": 11, "minute": 50}
